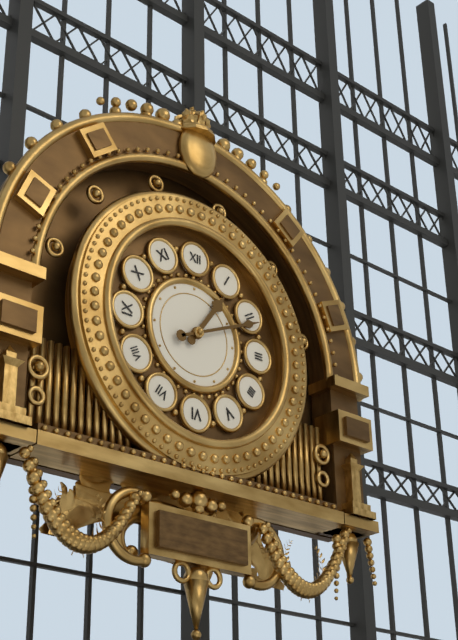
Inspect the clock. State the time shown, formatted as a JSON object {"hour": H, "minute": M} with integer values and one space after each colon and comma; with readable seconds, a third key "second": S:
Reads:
{"hour": 1, "minute": 11}
